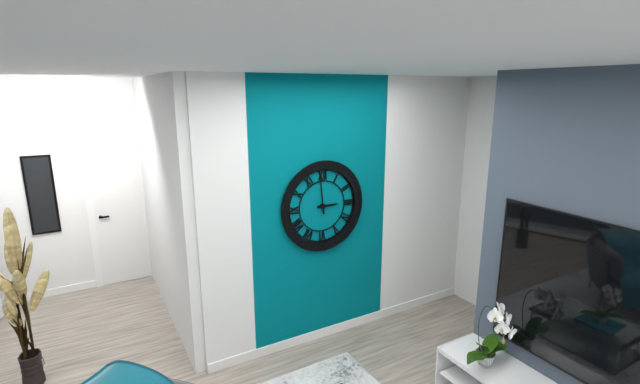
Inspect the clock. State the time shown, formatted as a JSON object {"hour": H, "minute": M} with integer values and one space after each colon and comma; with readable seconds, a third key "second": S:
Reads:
{"hour": 2, "minute": 59}
